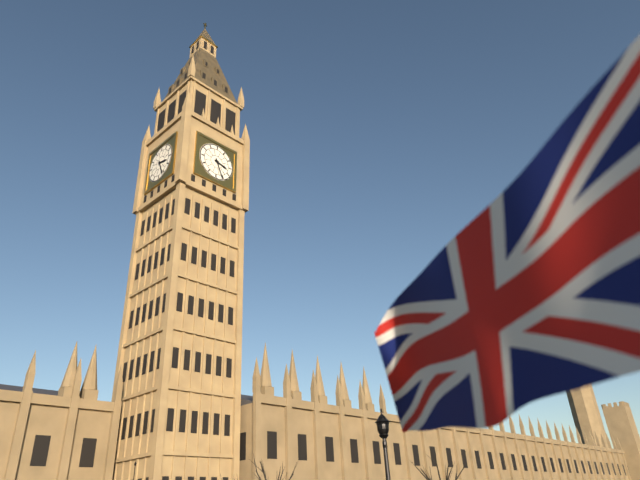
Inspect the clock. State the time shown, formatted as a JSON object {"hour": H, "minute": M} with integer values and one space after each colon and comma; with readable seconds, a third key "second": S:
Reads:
{"hour": 3, "minute": 26}
